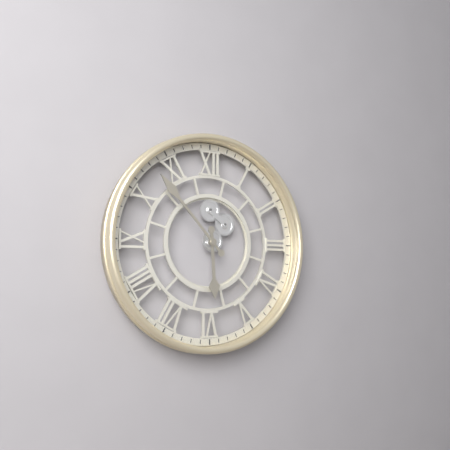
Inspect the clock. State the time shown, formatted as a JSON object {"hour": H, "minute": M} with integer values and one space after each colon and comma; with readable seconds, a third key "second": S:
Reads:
{"hour": 5, "minute": 53}
